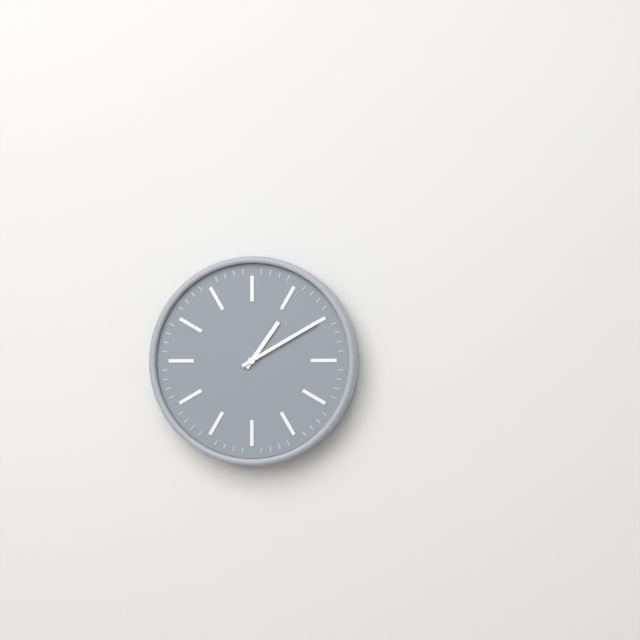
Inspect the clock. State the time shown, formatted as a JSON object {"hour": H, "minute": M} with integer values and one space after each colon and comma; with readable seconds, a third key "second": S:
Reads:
{"hour": 1, "minute": 10}
